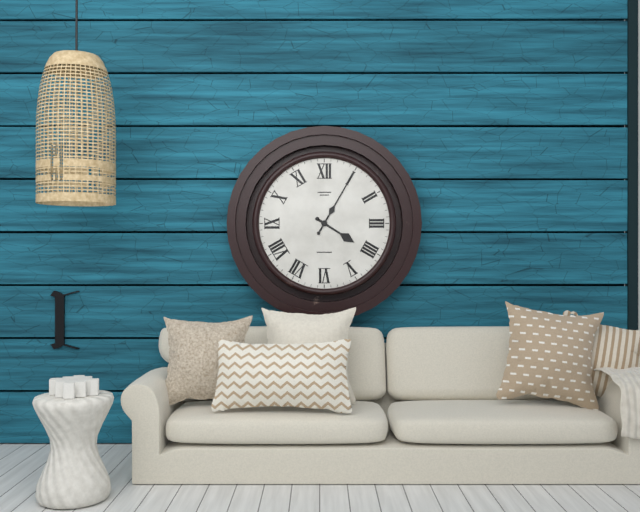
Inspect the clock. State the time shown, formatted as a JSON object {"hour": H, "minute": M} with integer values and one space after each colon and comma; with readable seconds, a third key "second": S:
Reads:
{"hour": 4, "minute": 5}
